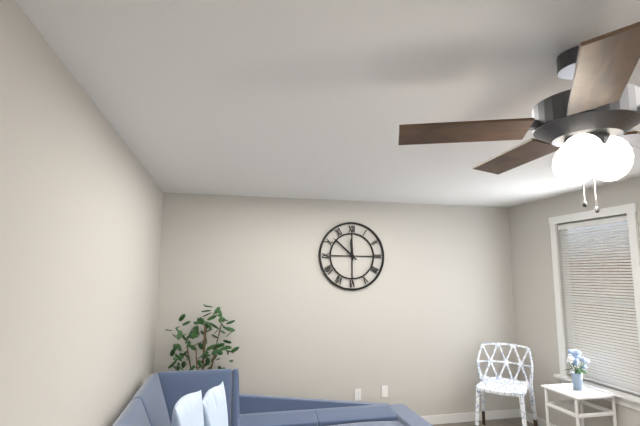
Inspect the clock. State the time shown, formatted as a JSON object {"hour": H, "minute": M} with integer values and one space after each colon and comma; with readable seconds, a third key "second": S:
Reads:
{"hour": 11, "minute": 52}
